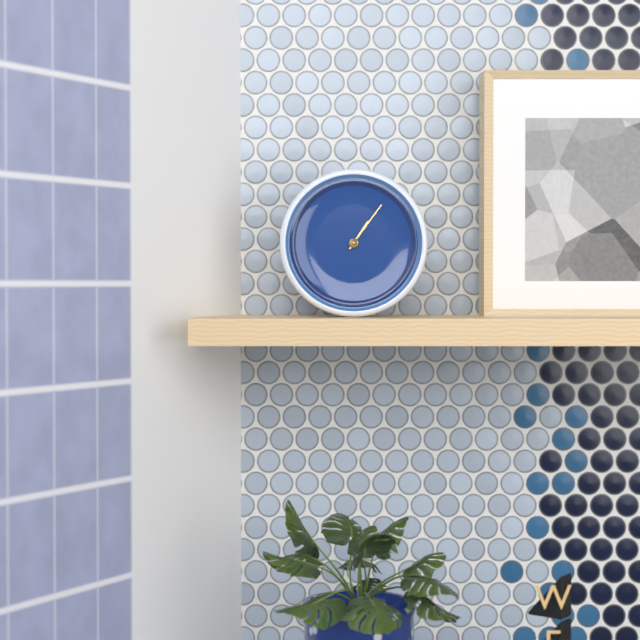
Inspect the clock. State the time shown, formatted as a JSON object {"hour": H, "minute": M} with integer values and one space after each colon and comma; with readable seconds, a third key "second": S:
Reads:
{"hour": 1, "minute": 6}
